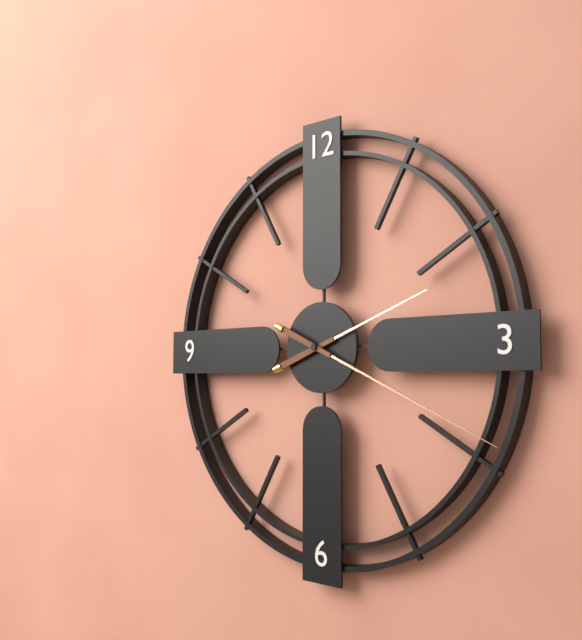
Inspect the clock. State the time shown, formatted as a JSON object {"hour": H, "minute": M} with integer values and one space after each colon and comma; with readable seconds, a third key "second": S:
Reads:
{"hour": 2, "minute": 19}
